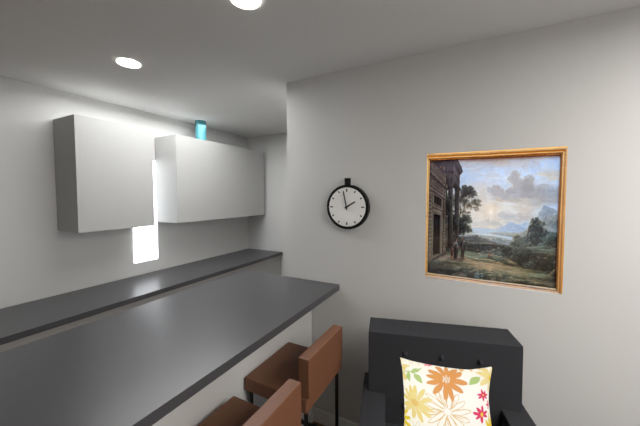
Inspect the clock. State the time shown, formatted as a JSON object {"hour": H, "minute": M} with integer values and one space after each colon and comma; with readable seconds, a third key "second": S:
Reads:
{"hour": 1, "minute": 58}
